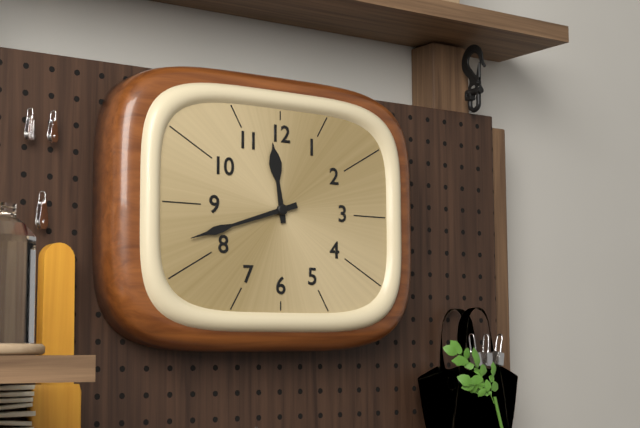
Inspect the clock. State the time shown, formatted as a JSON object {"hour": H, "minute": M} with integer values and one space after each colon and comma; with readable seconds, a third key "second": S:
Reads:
{"hour": 11, "minute": 42}
